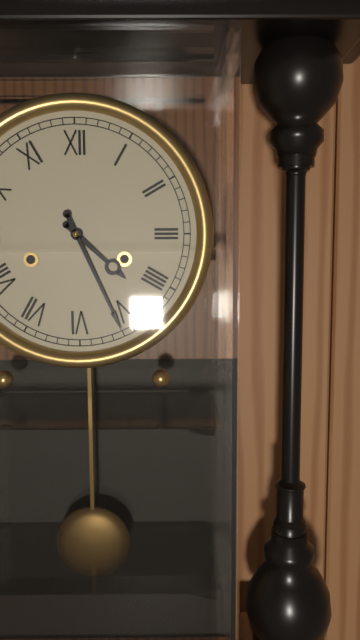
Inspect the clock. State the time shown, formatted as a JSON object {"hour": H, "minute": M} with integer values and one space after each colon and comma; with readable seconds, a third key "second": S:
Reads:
{"hour": 4, "minute": 26}
